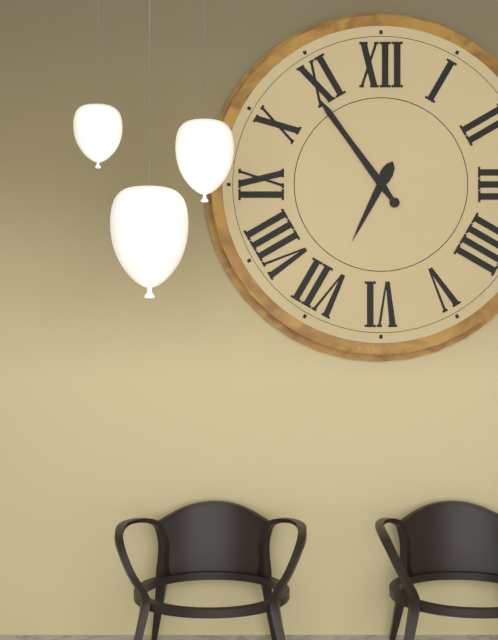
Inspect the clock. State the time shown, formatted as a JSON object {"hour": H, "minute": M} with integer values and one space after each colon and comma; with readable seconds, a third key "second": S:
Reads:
{"hour": 6, "minute": 54}
